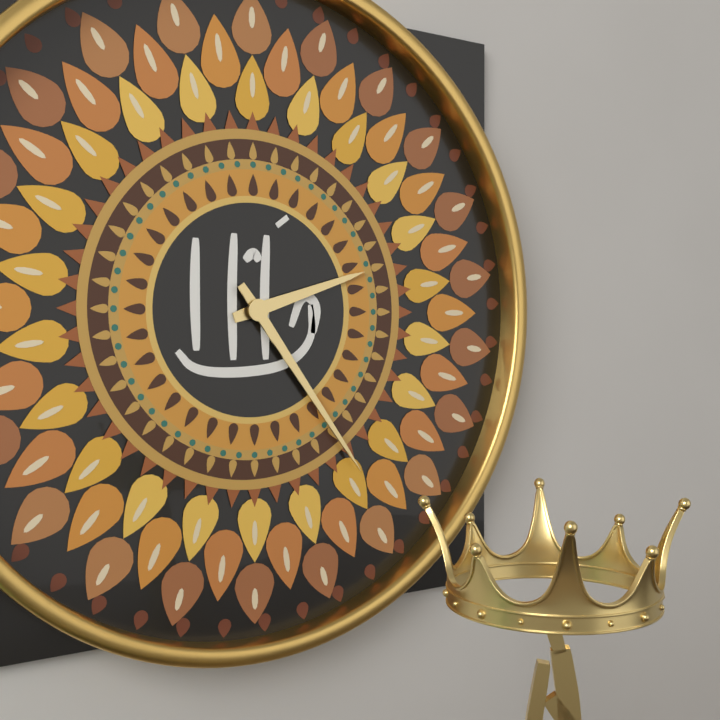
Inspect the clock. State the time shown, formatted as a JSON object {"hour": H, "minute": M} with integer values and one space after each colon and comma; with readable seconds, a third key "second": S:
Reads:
{"hour": 2, "minute": 24}
